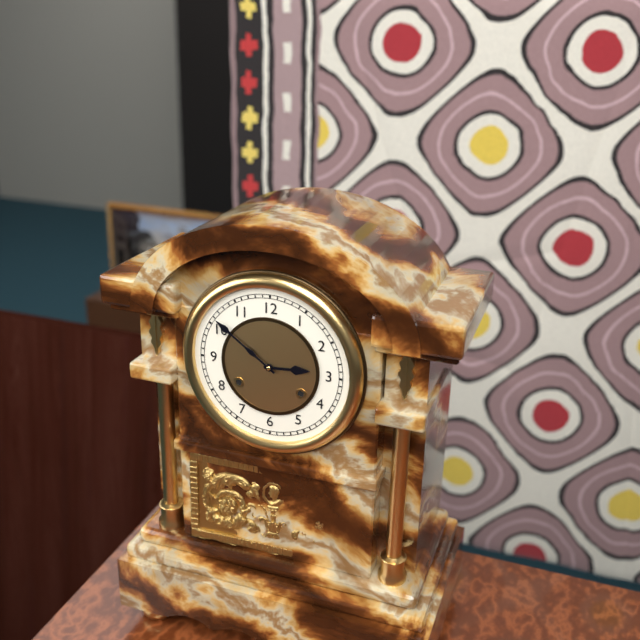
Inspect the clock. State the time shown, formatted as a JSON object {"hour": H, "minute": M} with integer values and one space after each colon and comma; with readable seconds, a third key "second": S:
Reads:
{"hour": 2, "minute": 51}
